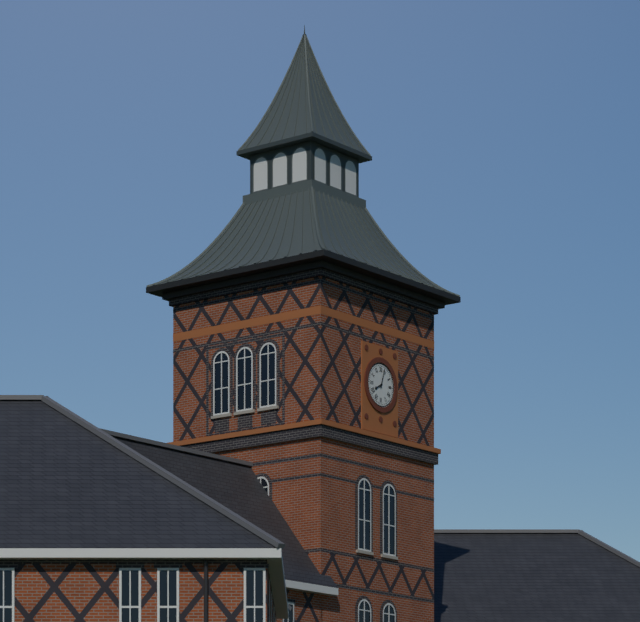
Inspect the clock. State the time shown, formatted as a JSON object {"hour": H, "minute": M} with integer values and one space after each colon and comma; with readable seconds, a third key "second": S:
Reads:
{"hour": 8, "minute": 3}
